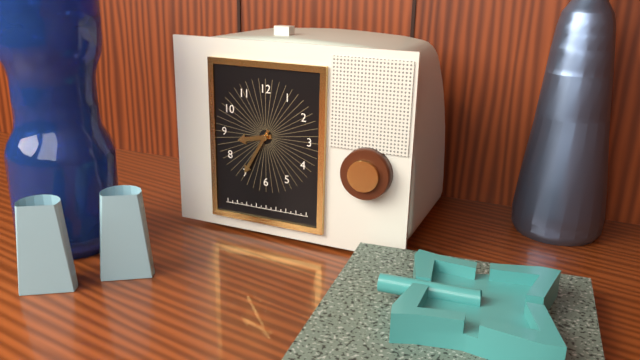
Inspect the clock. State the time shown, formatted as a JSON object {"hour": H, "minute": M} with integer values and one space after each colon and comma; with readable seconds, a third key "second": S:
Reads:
{"hour": 8, "minute": 35}
